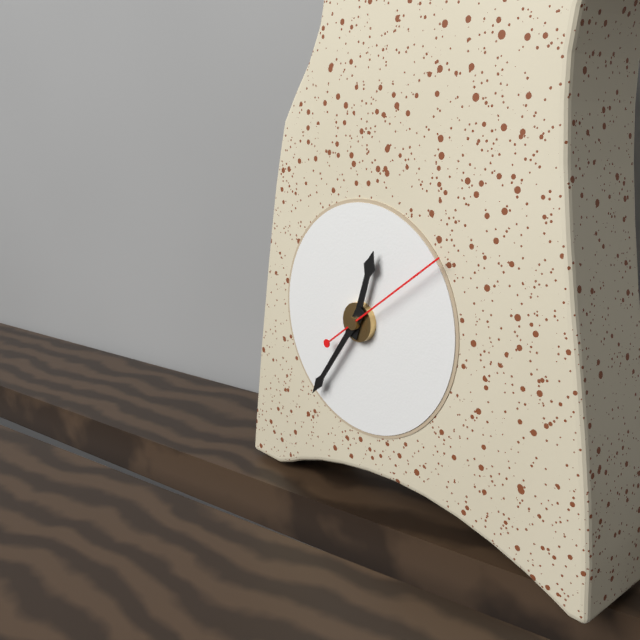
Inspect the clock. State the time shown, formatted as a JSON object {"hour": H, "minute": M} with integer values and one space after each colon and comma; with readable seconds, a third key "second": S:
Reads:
{"hour": 12, "minute": 36, "second": 9}
